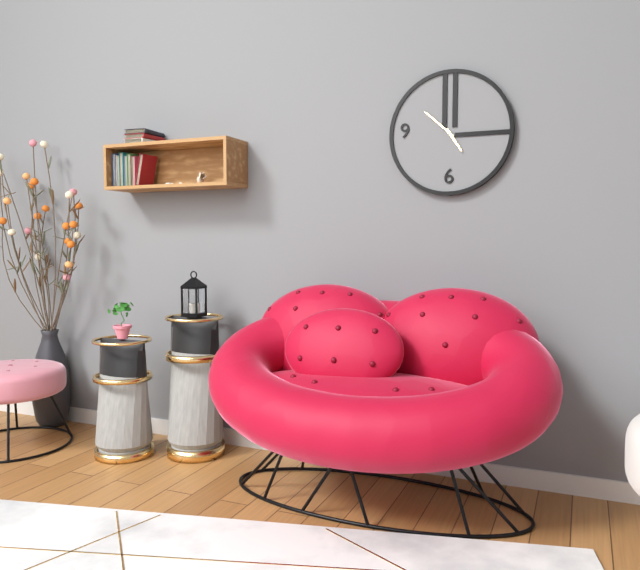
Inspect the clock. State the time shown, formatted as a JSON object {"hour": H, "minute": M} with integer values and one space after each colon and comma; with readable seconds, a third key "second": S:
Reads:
{"hour": 4, "minute": 52}
